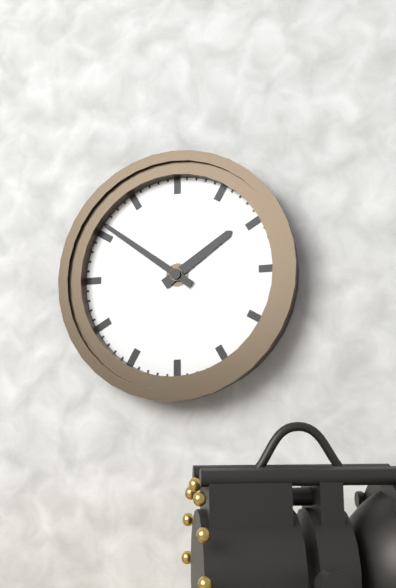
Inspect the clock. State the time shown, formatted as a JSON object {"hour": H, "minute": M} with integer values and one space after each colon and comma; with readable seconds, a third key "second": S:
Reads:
{"hour": 1, "minute": 51}
